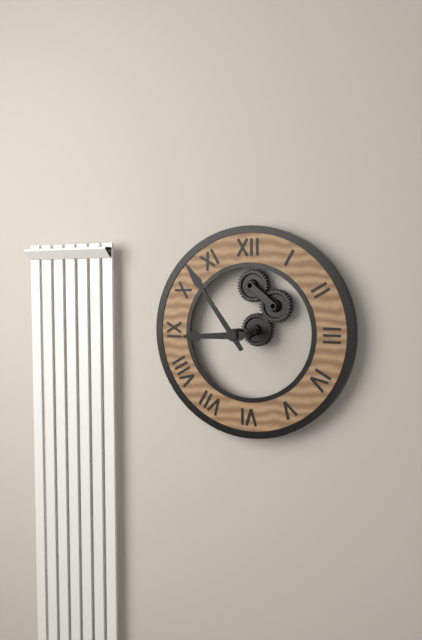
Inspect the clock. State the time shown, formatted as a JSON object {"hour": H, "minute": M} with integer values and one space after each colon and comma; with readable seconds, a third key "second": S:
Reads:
{"hour": 8, "minute": 54}
